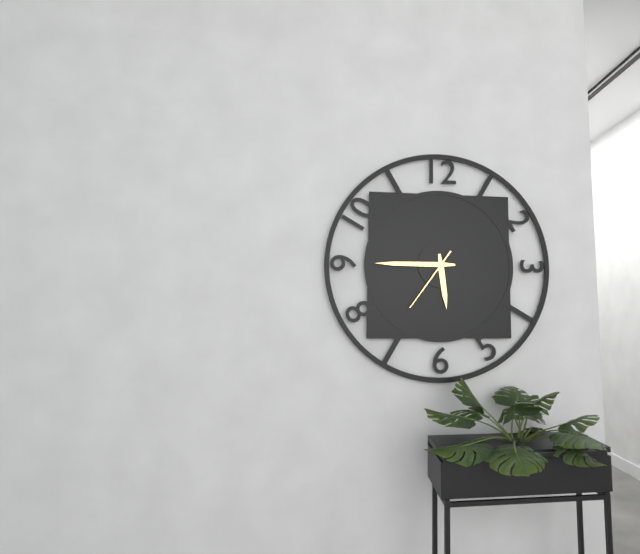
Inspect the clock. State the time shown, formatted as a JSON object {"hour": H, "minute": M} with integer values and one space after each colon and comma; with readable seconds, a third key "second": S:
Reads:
{"hour": 5, "minute": 45, "second": 36}
